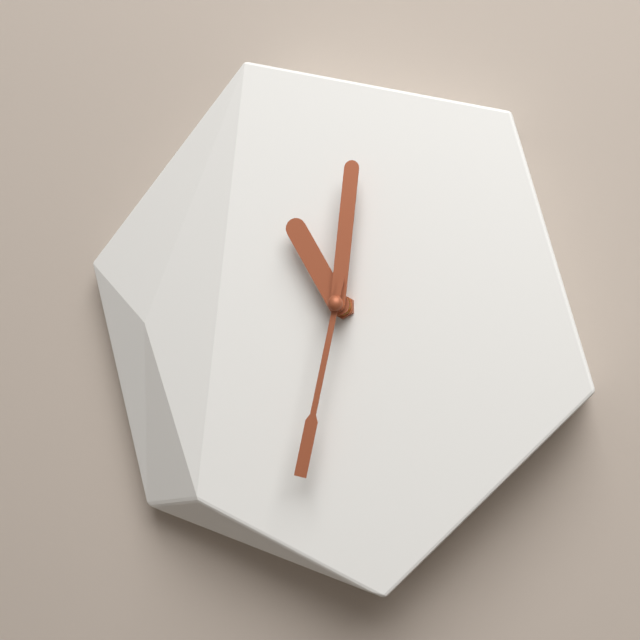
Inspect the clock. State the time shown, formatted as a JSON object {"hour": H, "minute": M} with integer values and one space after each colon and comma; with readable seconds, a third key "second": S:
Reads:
{"hour": 11, "minute": 1, "second": 32}
